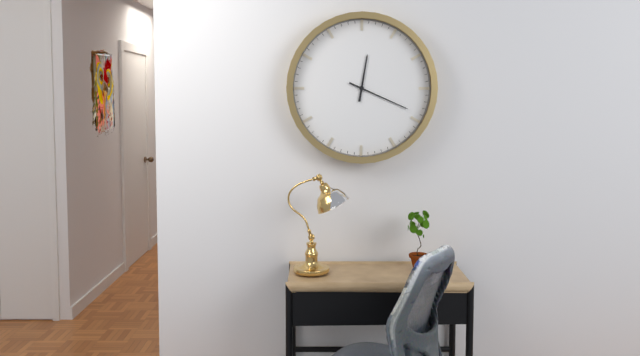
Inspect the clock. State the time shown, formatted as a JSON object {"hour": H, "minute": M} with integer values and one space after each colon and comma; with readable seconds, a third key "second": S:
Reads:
{"hour": 12, "minute": 19}
